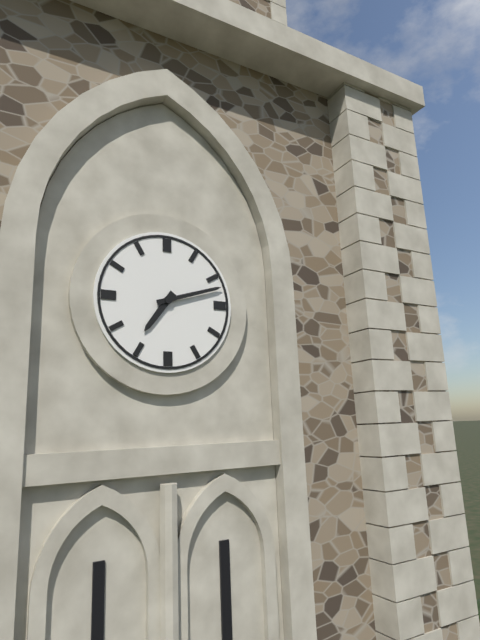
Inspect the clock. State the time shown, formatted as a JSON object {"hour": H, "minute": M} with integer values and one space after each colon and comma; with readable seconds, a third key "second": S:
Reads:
{"hour": 7, "minute": 12}
